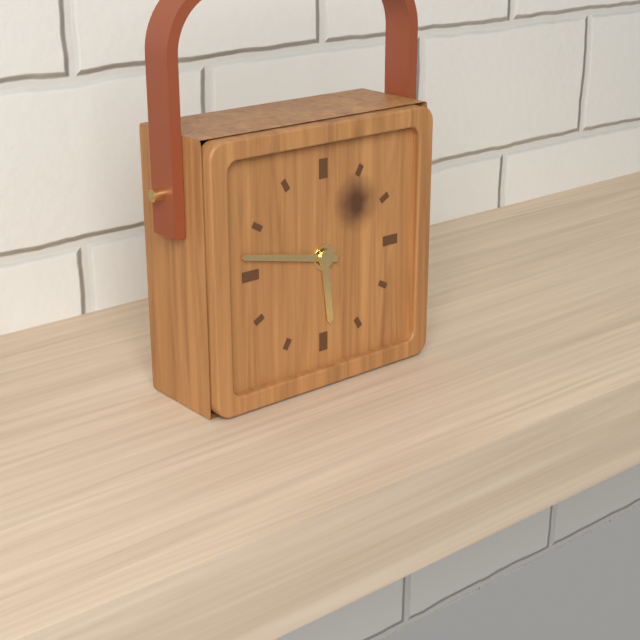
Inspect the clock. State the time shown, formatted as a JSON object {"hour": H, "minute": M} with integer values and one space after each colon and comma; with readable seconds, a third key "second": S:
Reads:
{"hour": 5, "minute": 47}
